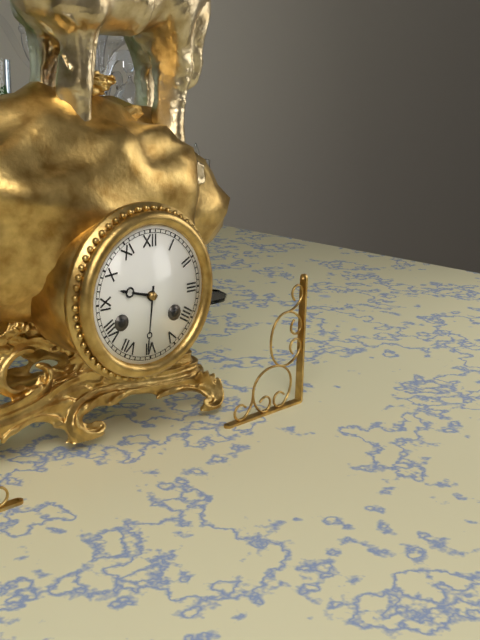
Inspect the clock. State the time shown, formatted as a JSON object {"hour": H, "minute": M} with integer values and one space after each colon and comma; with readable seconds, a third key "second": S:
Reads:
{"hour": 9, "minute": 31}
